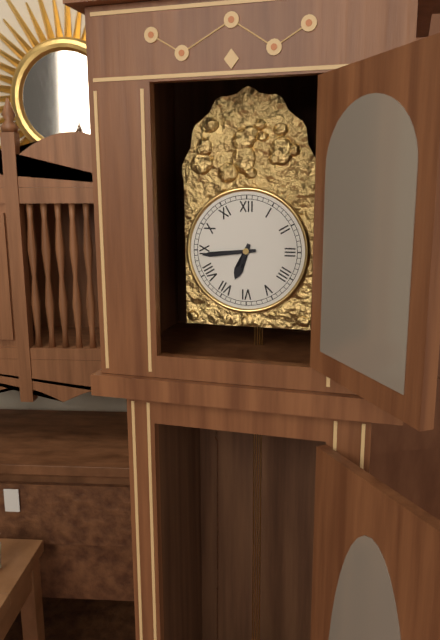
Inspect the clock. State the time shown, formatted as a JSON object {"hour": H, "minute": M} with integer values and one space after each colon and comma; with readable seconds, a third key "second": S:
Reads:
{"hour": 6, "minute": 44}
